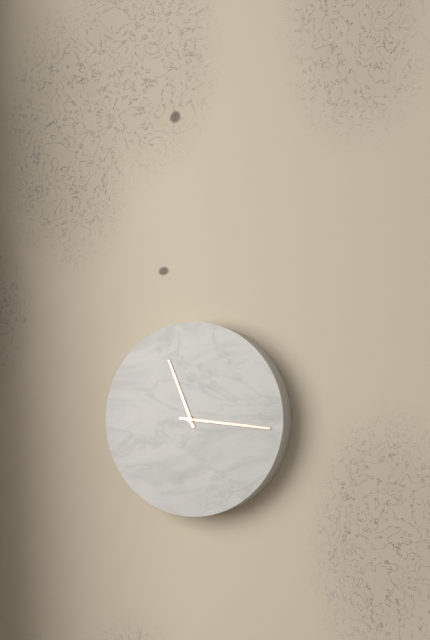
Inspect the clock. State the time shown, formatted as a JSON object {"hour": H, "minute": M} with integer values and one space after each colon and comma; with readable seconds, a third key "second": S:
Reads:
{"hour": 11, "minute": 16}
